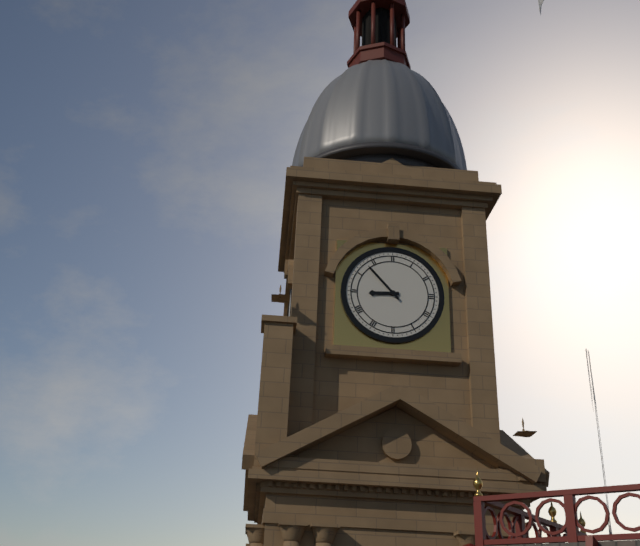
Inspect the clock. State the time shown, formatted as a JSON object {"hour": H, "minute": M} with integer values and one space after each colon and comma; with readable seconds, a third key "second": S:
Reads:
{"hour": 8, "minute": 53}
